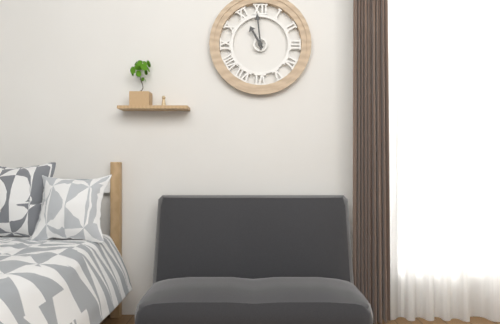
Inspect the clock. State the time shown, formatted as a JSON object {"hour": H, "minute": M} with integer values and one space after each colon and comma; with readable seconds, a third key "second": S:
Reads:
{"hour": 10, "minute": 59}
